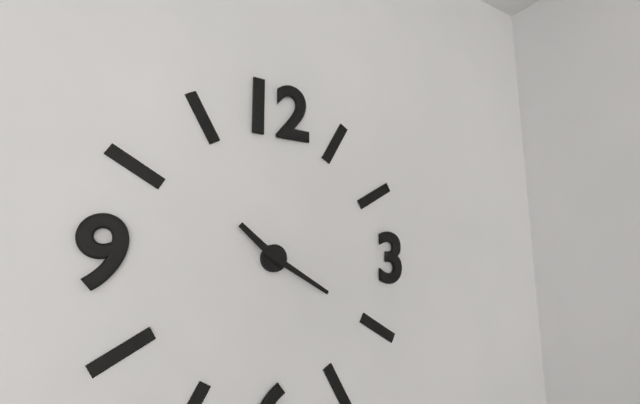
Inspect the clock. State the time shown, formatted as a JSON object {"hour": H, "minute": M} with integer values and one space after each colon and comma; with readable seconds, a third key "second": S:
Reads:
{"hour": 10, "minute": 20}
